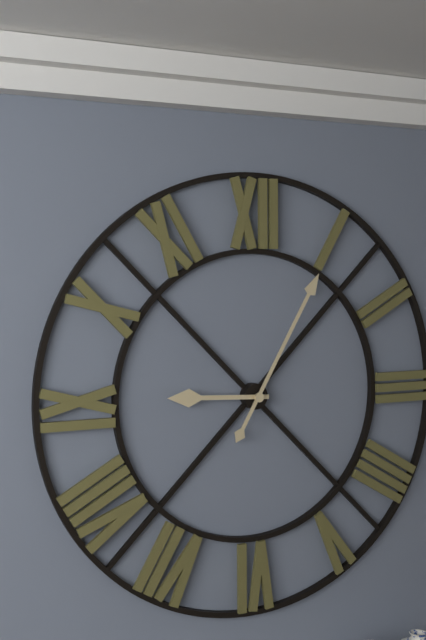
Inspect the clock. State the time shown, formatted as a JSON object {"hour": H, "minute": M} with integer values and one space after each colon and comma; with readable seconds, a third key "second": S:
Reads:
{"hour": 9, "minute": 5}
